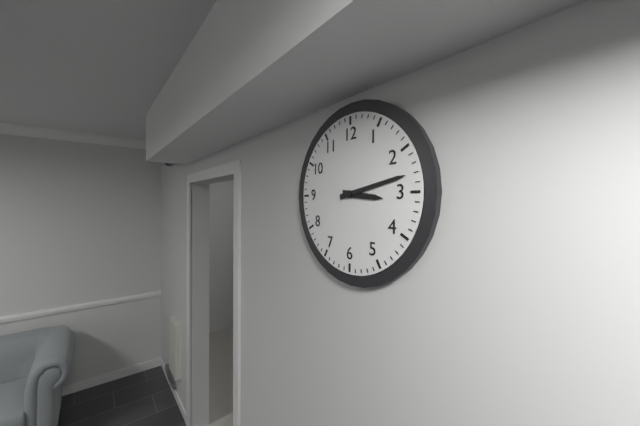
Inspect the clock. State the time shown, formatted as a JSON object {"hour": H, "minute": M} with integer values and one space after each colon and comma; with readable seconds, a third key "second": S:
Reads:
{"hour": 3, "minute": 13}
